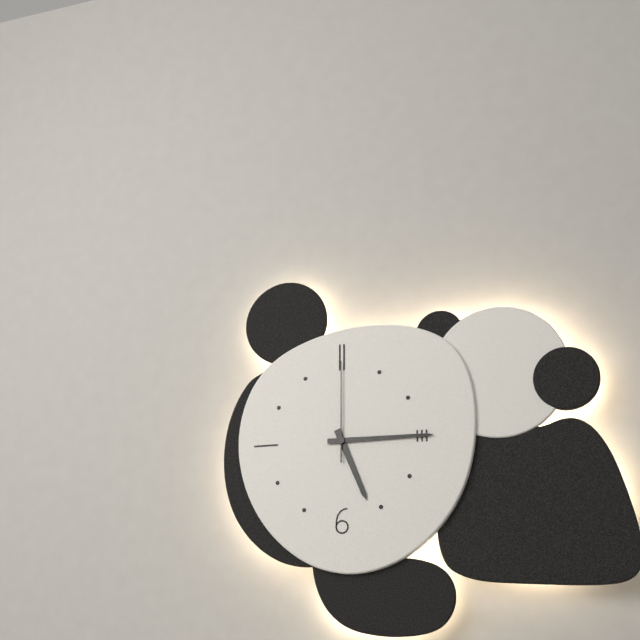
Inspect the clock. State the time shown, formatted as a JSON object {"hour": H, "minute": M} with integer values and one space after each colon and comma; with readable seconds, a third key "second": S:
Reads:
{"hour": 5, "minute": 15, "second": 0}
